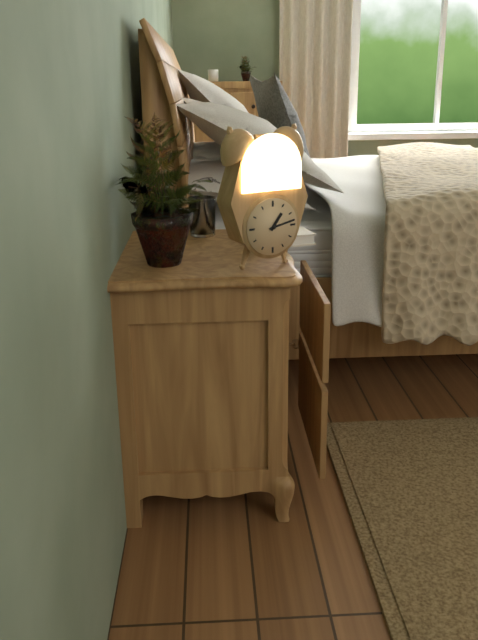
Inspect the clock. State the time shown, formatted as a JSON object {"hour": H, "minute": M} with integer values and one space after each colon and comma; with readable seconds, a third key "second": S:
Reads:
{"hour": 1, "minute": 13}
